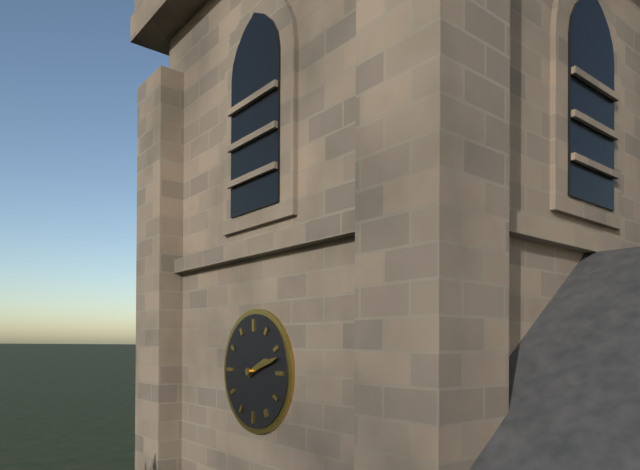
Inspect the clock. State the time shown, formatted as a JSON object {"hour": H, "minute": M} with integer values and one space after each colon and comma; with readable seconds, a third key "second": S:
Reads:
{"hour": 2, "minute": 12}
